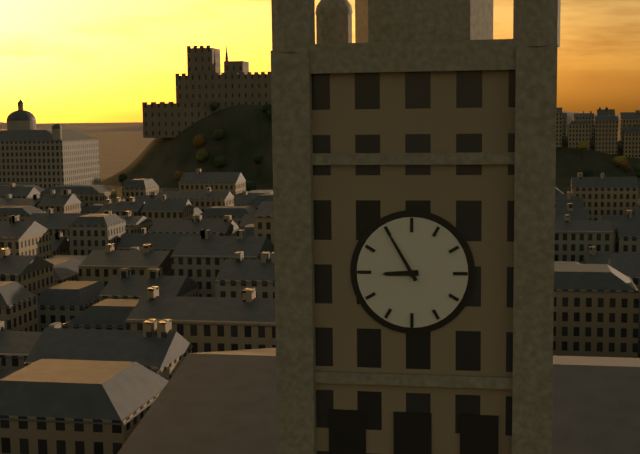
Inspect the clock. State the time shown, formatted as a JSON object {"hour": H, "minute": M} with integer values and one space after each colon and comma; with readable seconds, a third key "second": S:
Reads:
{"hour": 8, "minute": 55}
